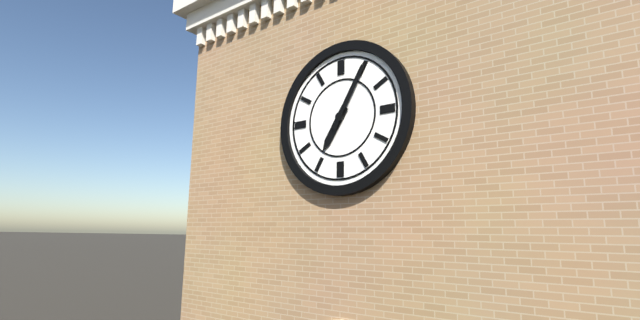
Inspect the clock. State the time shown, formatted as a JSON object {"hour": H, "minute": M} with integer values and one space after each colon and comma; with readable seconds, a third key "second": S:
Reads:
{"hour": 7, "minute": 5}
